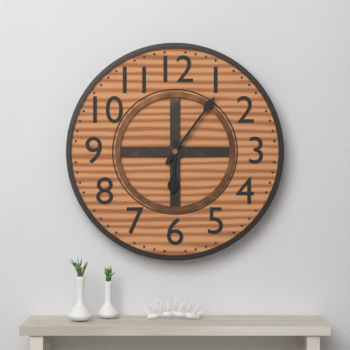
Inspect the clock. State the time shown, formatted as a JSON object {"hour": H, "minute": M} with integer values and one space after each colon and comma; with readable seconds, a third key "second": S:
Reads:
{"hour": 6, "minute": 6}
